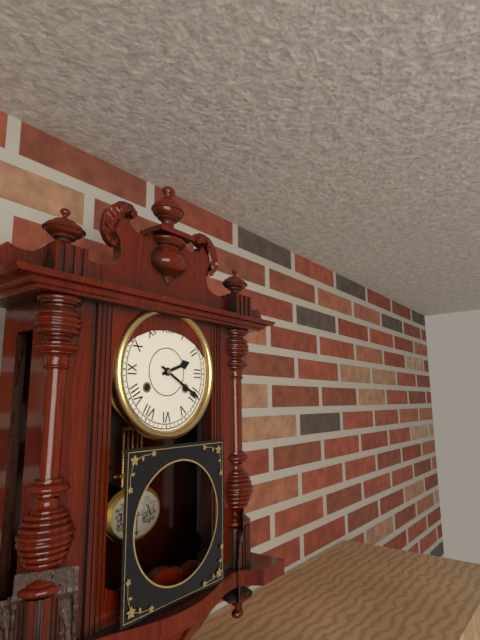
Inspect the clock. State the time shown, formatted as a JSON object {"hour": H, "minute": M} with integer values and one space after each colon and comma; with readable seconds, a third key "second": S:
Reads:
{"hour": 2, "minute": 20}
